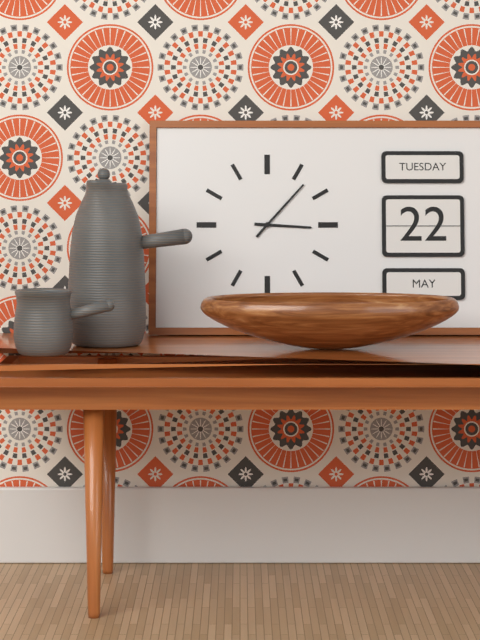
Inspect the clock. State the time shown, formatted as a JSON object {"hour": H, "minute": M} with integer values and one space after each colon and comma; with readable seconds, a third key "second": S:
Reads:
{"hour": 3, "minute": 7}
